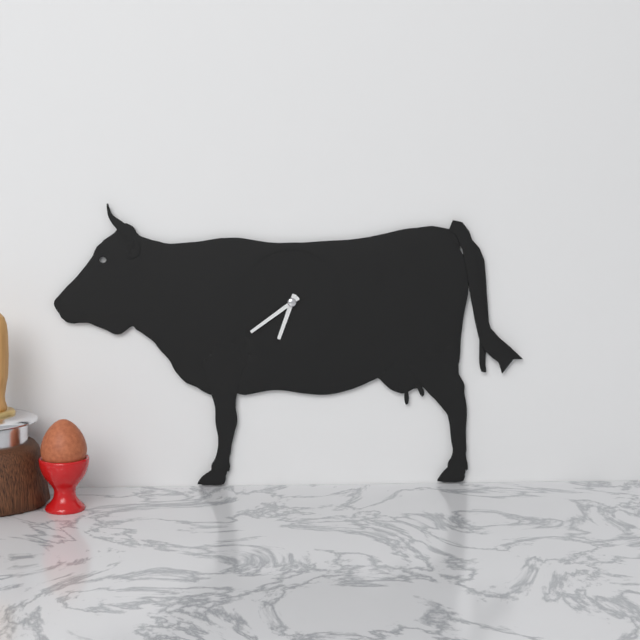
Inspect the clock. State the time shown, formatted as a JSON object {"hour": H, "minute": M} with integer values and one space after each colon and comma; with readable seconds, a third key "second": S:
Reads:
{"hour": 6, "minute": 39}
